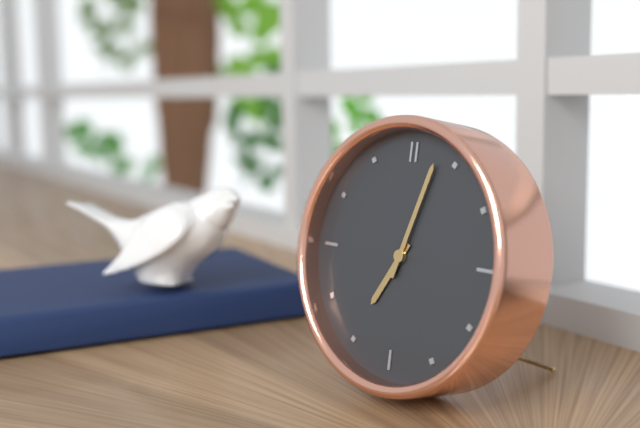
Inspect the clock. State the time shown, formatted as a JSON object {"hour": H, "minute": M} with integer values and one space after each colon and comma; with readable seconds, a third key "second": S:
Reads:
{"hour": 7, "minute": 3}
